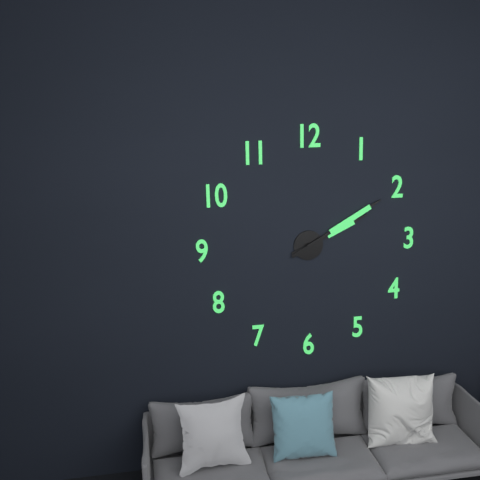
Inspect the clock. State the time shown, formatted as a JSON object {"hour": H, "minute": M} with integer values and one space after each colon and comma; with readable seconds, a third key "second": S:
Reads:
{"hour": 2, "minute": 10}
